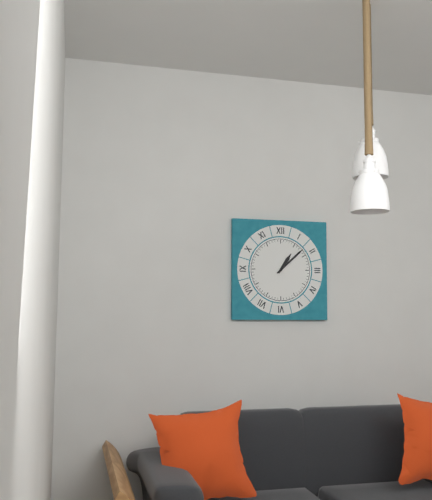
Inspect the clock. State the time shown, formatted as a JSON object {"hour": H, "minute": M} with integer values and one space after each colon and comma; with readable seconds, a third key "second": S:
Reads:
{"hour": 1, "minute": 8}
